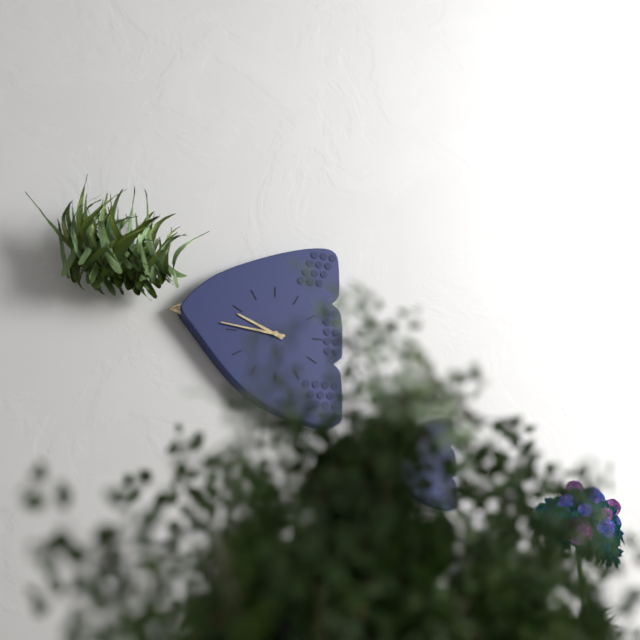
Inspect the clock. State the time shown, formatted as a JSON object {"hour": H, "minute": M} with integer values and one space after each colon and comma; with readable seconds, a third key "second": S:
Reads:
{"hour": 9, "minute": 46}
